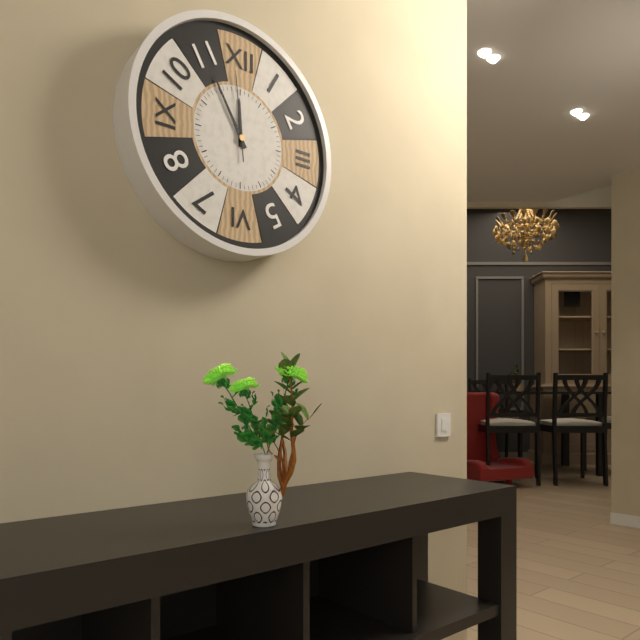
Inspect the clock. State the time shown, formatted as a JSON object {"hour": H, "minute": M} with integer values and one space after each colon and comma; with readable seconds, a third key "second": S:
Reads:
{"hour": 11, "minute": 55, "second": 59}
